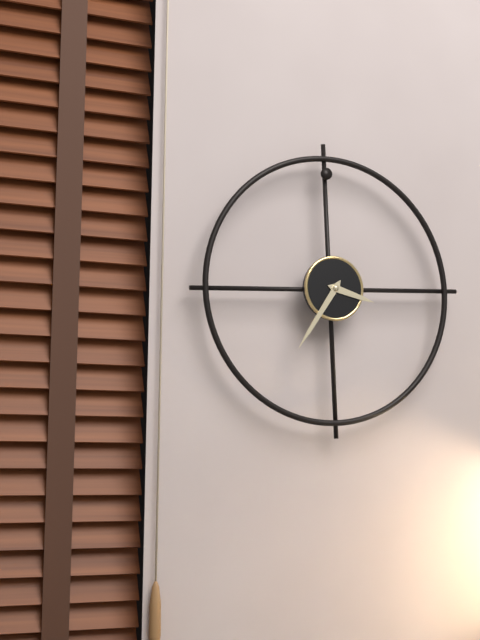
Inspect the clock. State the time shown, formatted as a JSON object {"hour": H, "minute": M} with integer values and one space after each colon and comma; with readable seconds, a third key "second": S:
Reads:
{"hour": 3, "minute": 36}
